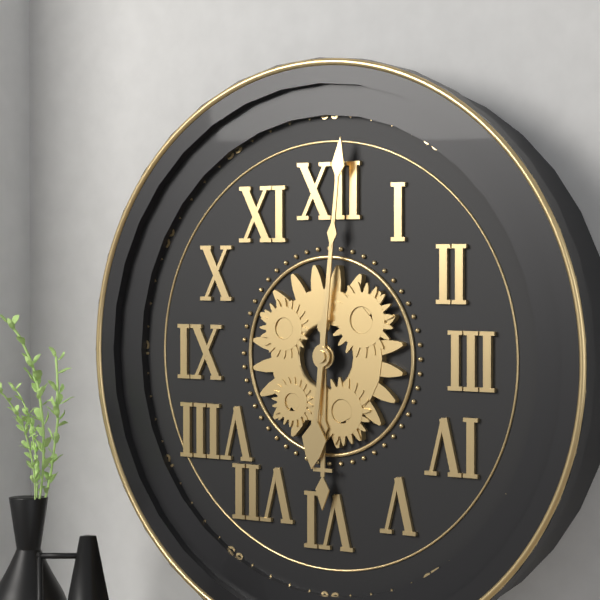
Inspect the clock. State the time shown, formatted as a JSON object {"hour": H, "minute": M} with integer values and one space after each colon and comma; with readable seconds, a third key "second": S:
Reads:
{"hour": 6, "minute": 1}
